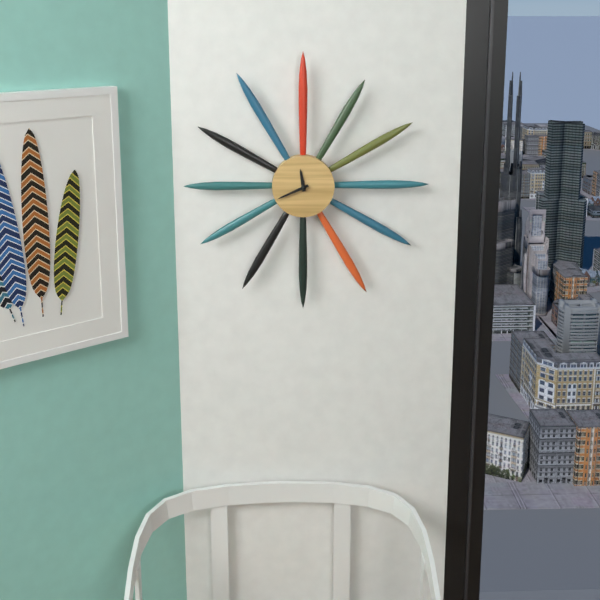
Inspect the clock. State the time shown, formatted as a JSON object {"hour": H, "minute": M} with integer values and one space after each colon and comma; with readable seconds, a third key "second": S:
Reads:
{"hour": 11, "minute": 41}
